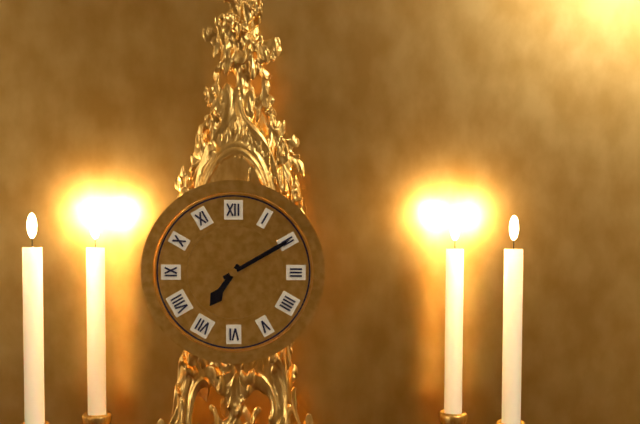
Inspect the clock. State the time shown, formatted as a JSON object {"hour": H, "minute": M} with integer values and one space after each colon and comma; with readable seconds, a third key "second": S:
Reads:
{"hour": 7, "minute": 10}
